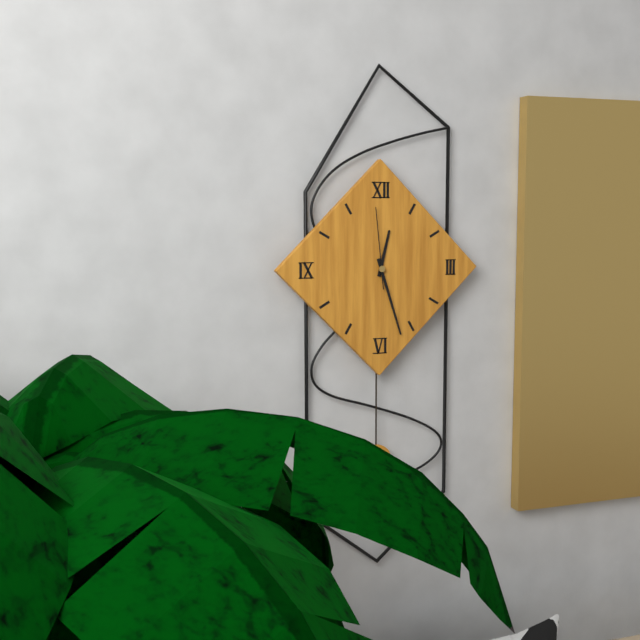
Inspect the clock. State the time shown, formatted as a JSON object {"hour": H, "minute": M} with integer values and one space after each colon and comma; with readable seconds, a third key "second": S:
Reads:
{"hour": 12, "minute": 27, "second": 59}
